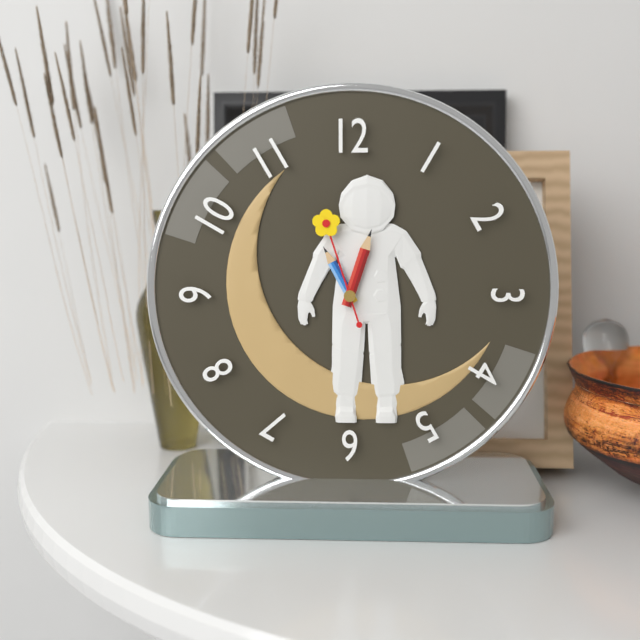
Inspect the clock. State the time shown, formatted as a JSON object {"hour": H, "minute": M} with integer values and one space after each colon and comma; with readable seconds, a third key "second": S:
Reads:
{"hour": 11, "minute": 3, "second": 57}
